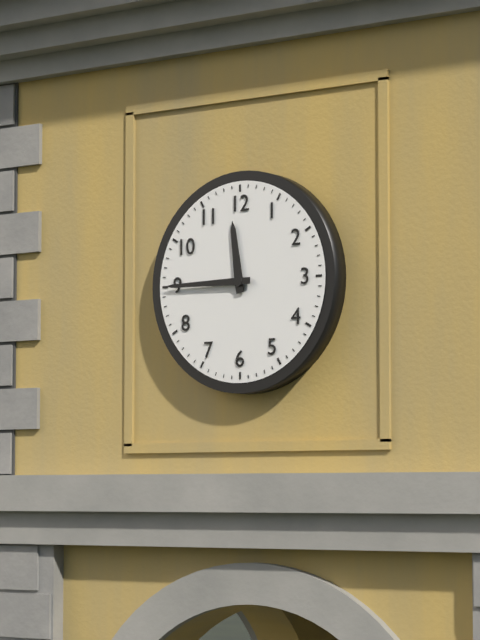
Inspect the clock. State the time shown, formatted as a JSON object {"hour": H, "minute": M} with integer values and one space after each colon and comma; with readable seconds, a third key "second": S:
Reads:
{"hour": 11, "minute": 45}
